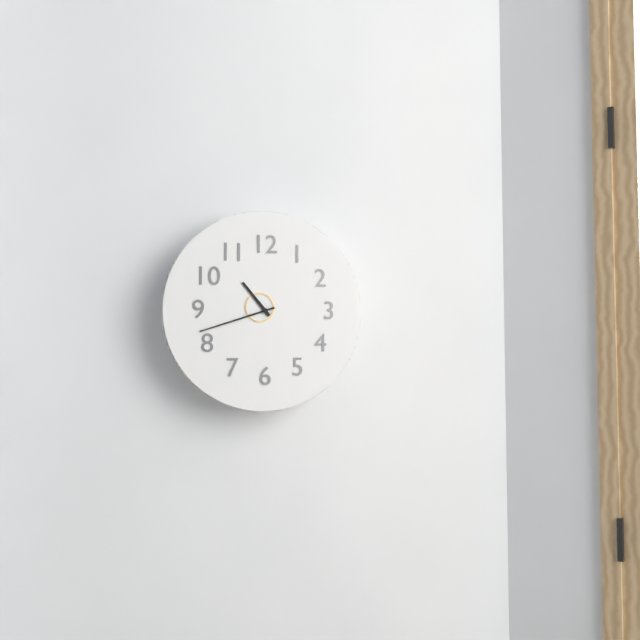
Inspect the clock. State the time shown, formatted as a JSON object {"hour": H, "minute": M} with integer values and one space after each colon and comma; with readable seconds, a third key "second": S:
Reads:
{"hour": 10, "minute": 42}
